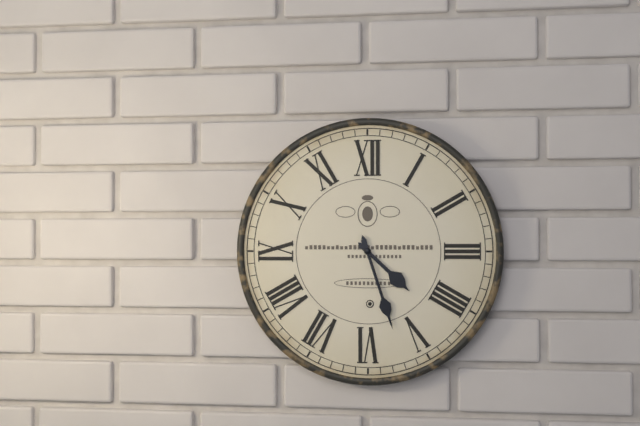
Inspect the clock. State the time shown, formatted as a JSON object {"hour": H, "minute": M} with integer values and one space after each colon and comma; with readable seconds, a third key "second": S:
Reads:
{"hour": 4, "minute": 27}
